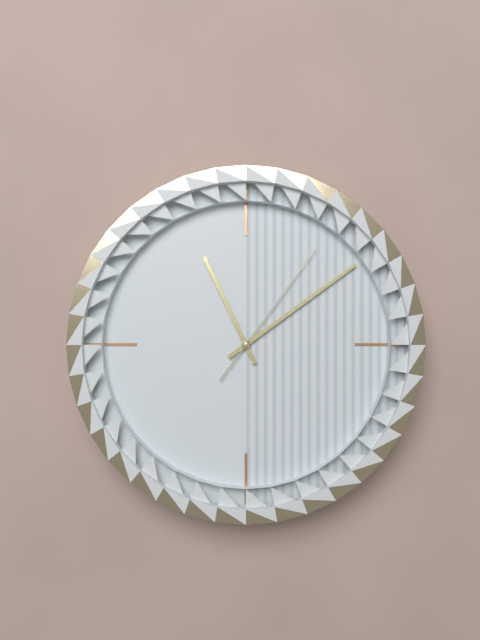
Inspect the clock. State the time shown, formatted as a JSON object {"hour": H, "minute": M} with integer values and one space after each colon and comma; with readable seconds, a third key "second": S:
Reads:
{"hour": 11, "minute": 9, "second": 6}
